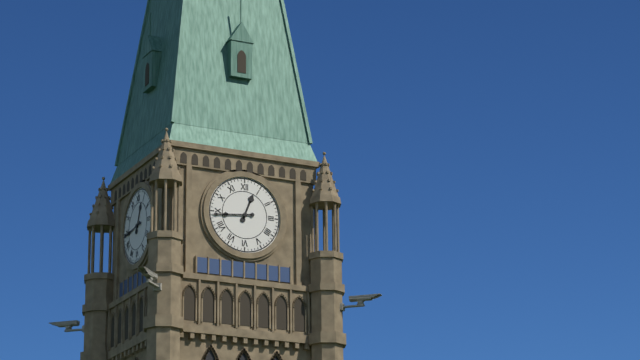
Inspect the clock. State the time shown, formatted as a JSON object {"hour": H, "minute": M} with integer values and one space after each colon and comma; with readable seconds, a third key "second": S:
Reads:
{"hour": 12, "minute": 44}
